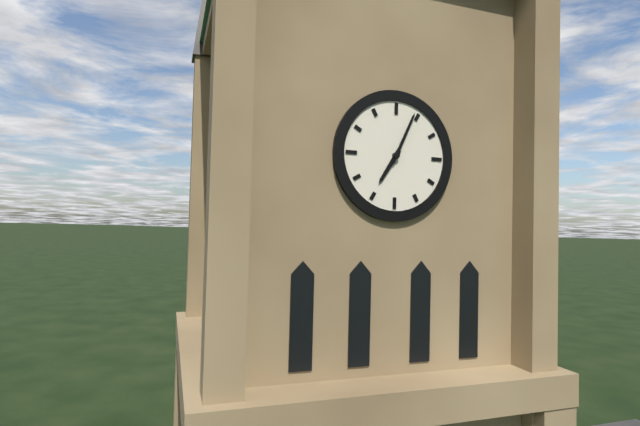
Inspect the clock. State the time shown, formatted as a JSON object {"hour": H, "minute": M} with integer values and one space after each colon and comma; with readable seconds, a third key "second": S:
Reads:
{"hour": 7, "minute": 4}
